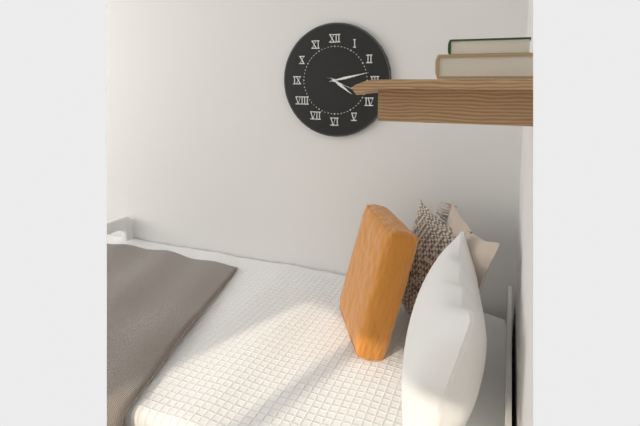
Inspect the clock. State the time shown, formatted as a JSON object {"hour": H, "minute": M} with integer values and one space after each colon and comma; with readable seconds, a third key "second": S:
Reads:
{"hour": 4, "minute": 13}
